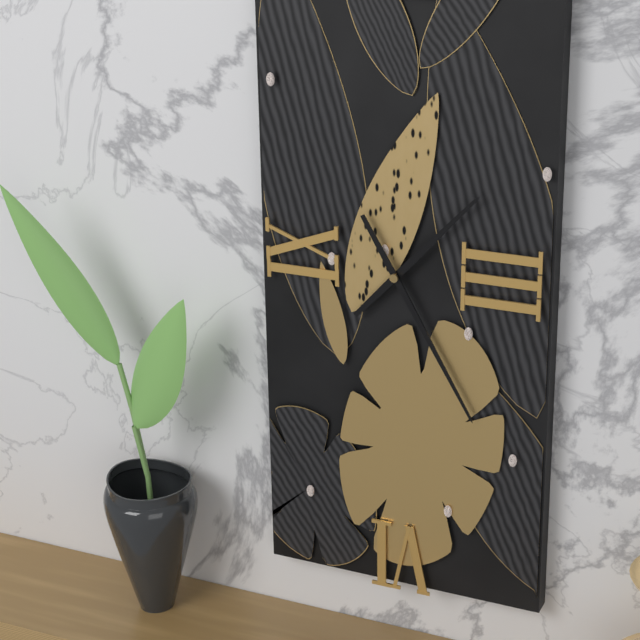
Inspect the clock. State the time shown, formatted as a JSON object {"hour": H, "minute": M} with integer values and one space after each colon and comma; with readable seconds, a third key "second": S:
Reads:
{"hour": 1, "minute": 25}
